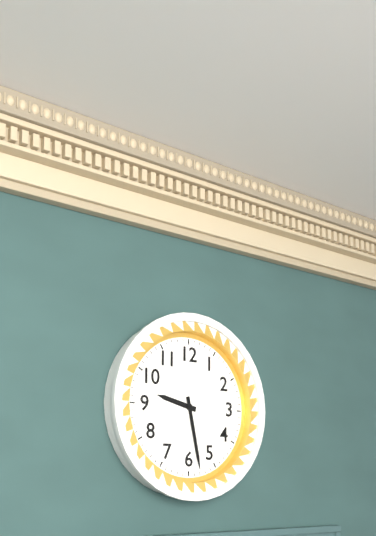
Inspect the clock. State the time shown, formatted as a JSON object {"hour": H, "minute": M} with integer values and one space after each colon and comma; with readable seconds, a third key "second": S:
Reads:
{"hour": 9, "minute": 28}
